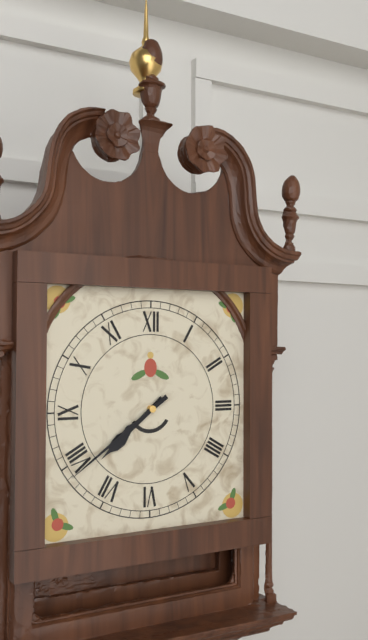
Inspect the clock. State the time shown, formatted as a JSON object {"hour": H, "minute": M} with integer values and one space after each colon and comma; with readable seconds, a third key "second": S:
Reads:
{"hour": 7, "minute": 39}
